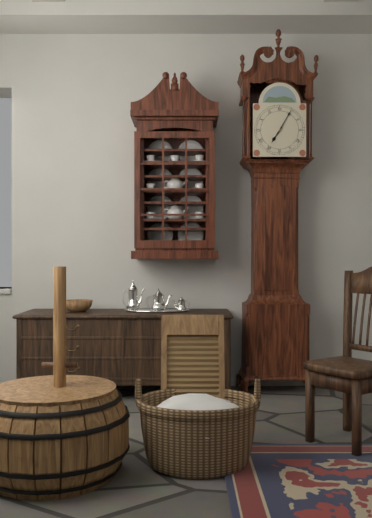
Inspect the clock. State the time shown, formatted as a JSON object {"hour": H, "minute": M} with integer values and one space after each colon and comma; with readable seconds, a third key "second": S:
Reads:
{"hour": 7, "minute": 5}
